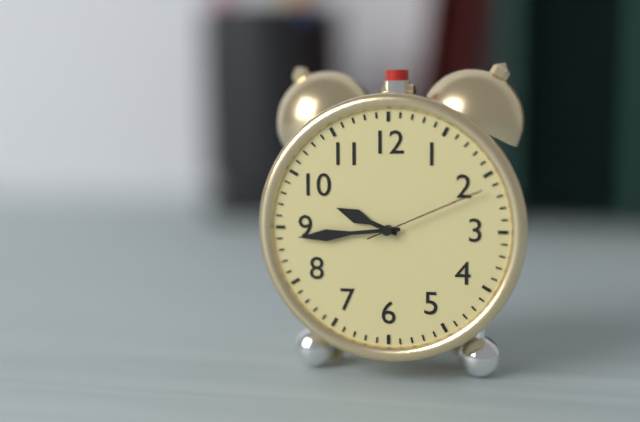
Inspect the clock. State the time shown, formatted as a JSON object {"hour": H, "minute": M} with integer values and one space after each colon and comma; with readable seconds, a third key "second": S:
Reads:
{"hour": 9, "minute": 44, "second": 11}
